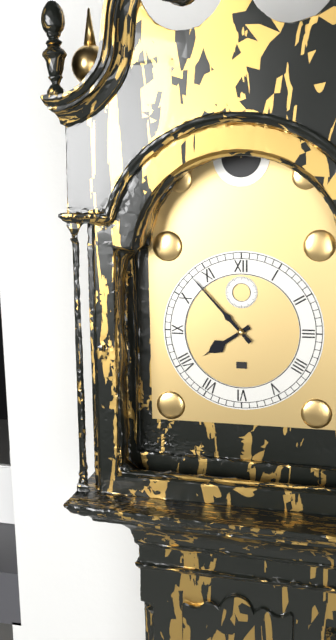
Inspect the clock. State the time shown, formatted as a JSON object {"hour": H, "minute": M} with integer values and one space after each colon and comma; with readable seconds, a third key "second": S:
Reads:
{"hour": 7, "minute": 53}
